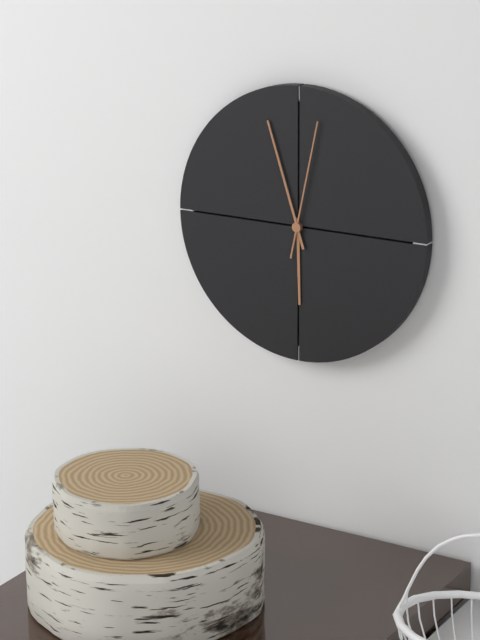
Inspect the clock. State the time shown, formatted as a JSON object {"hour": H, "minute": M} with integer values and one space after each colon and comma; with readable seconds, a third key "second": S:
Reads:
{"hour": 5, "minute": 57, "second": 2}
